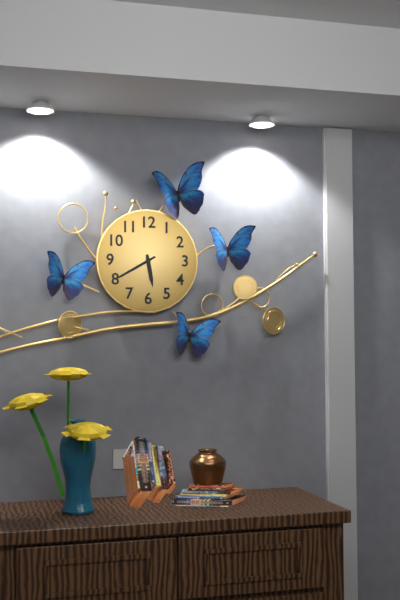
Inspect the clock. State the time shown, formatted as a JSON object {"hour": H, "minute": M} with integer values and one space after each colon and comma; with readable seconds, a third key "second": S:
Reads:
{"hour": 5, "minute": 40}
